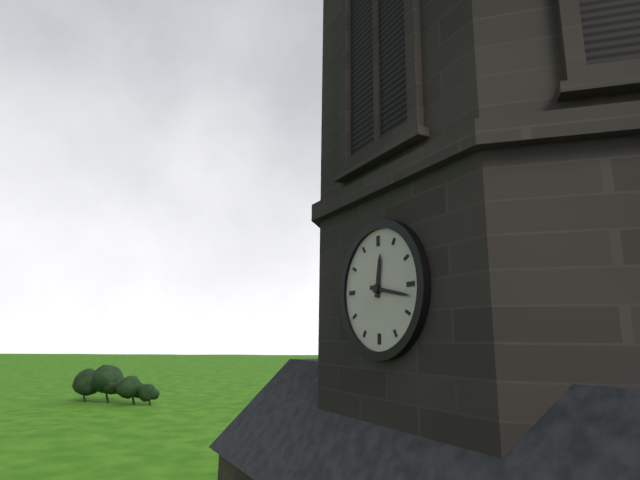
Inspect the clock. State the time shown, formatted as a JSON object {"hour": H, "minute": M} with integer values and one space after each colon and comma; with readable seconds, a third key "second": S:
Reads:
{"hour": 12, "minute": 17}
